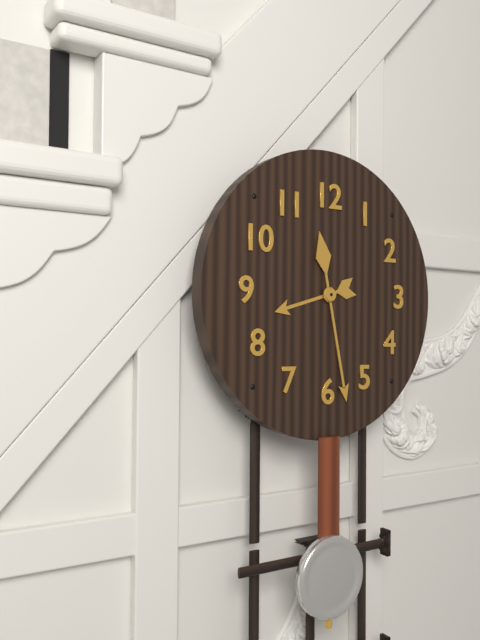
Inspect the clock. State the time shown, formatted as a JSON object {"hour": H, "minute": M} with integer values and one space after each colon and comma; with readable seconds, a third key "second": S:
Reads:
{"hour": 8, "minute": 28}
